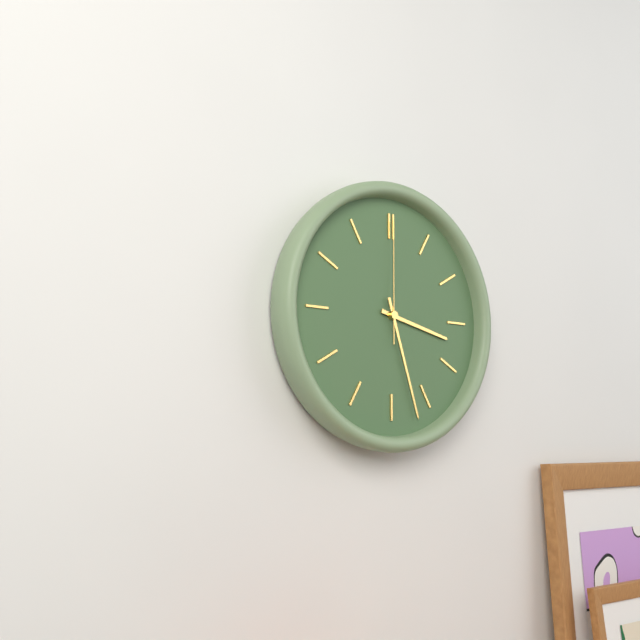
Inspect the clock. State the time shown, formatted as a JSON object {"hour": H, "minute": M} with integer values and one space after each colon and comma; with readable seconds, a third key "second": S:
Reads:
{"hour": 3, "minute": 27, "second": 0}
